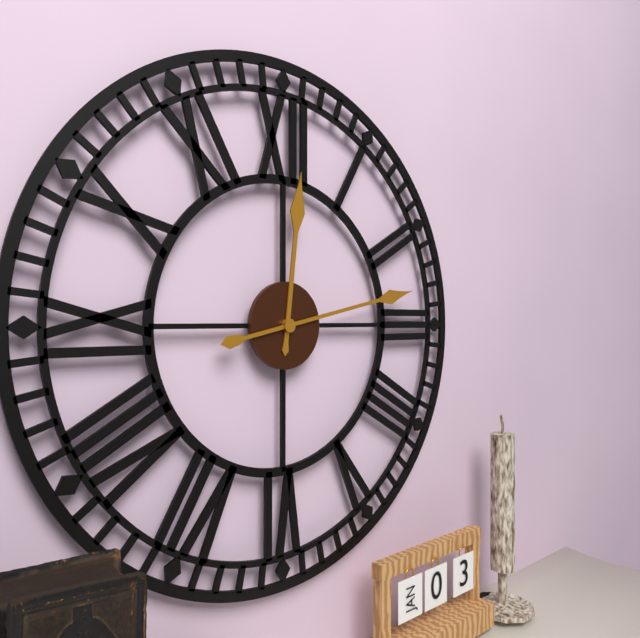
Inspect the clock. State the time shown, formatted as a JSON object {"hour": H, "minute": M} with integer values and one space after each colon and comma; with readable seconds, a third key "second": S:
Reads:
{"hour": 12, "minute": 13}
